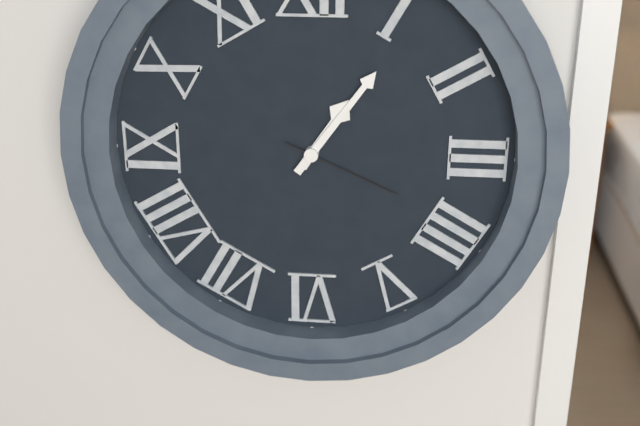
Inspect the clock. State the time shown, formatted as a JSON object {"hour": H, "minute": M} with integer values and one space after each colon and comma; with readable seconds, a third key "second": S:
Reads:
{"hour": 1, "minute": 6, "second": 19}
